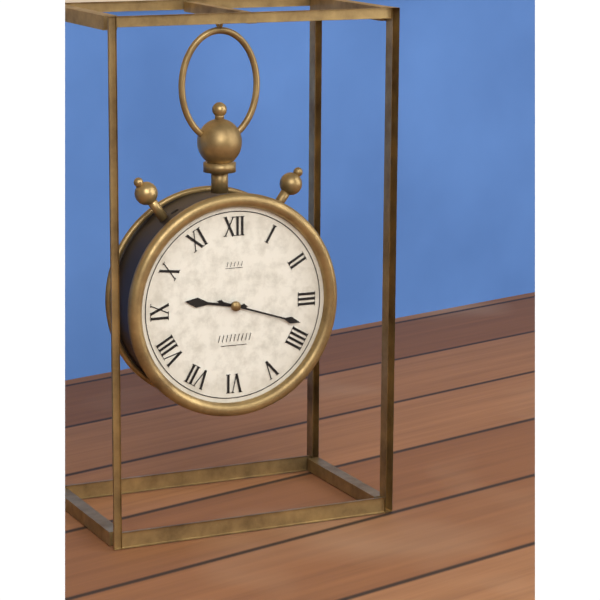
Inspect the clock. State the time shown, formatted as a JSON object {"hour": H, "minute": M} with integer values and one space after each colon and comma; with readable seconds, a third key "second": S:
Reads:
{"hour": 9, "minute": 18}
